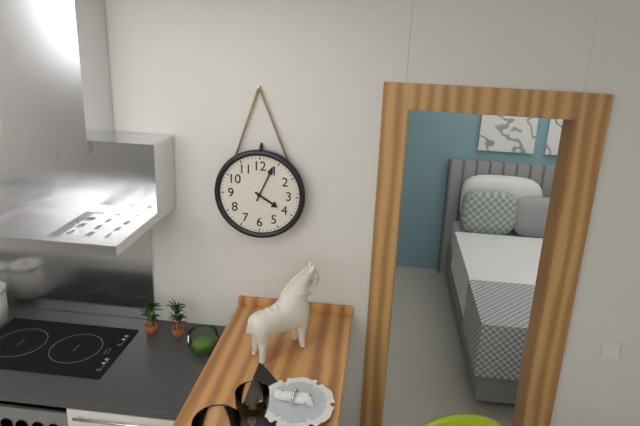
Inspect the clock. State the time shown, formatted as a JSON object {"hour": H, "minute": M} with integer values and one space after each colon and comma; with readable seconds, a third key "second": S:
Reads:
{"hour": 4, "minute": 4}
